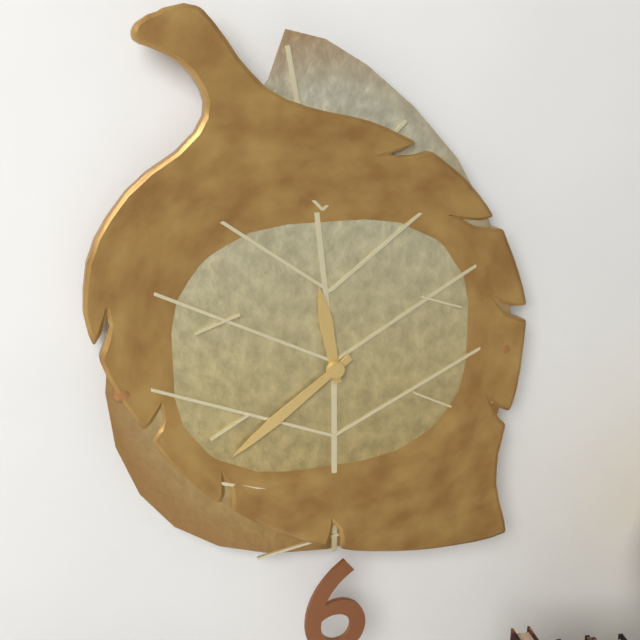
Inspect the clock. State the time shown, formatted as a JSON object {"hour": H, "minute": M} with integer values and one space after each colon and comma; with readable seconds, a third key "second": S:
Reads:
{"hour": 11, "minute": 39}
